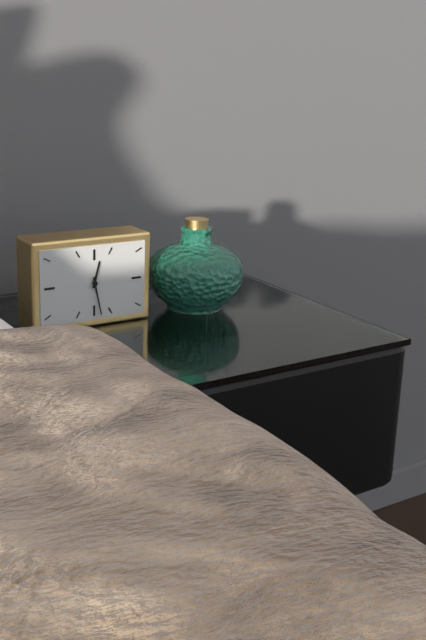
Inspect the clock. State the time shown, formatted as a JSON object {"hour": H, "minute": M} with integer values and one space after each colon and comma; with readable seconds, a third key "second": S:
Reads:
{"hour": 12, "minute": 28}
